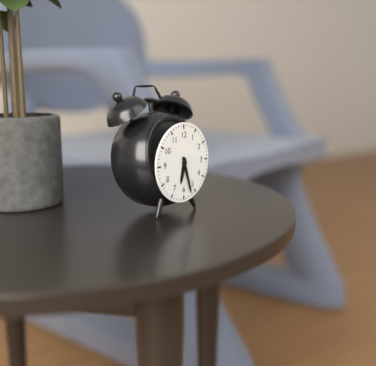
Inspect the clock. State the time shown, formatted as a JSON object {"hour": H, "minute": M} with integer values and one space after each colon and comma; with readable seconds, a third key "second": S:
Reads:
{"hour": 6, "minute": 27}
